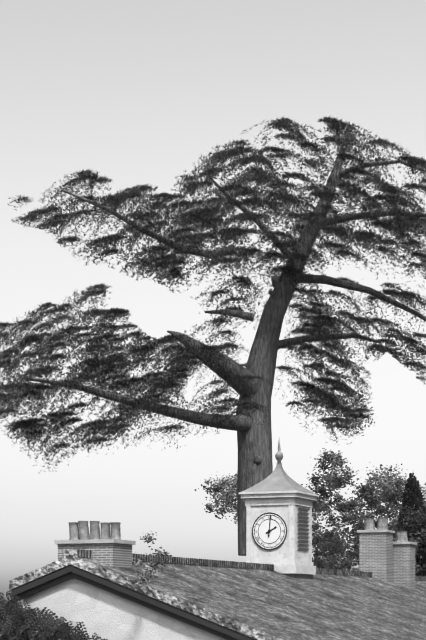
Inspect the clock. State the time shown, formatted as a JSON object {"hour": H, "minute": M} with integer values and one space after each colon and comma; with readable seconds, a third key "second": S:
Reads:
{"hour": 2, "minute": 1}
